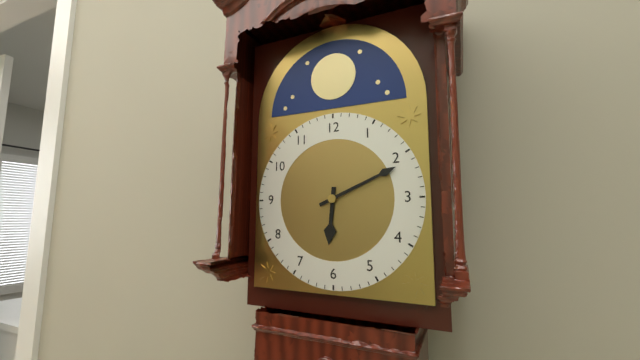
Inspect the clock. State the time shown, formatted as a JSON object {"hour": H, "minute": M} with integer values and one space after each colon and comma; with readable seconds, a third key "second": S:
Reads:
{"hour": 6, "minute": 11}
